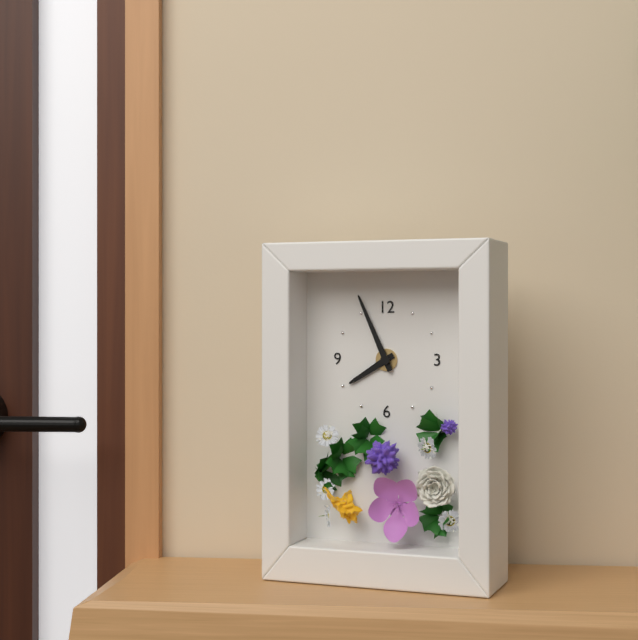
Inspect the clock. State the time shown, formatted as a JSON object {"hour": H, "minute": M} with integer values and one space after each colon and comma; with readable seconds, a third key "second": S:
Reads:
{"hour": 7, "minute": 56}
